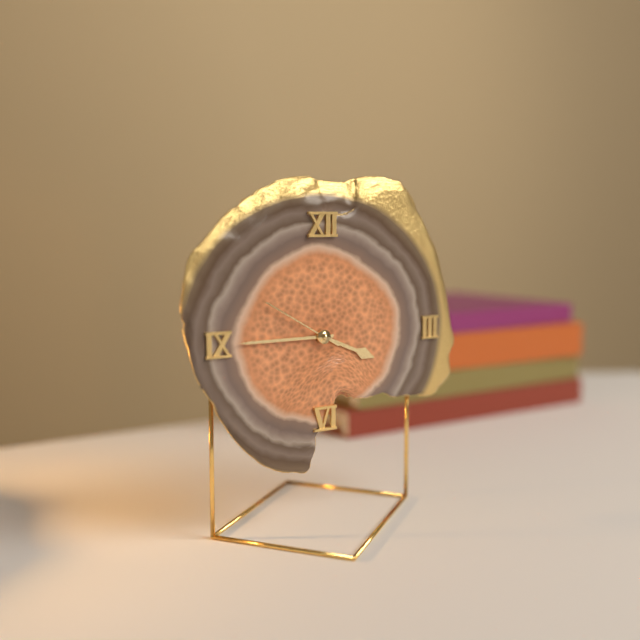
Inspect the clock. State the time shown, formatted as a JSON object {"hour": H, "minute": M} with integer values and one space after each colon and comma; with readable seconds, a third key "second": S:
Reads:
{"hour": 3, "minute": 45, "second": 50}
